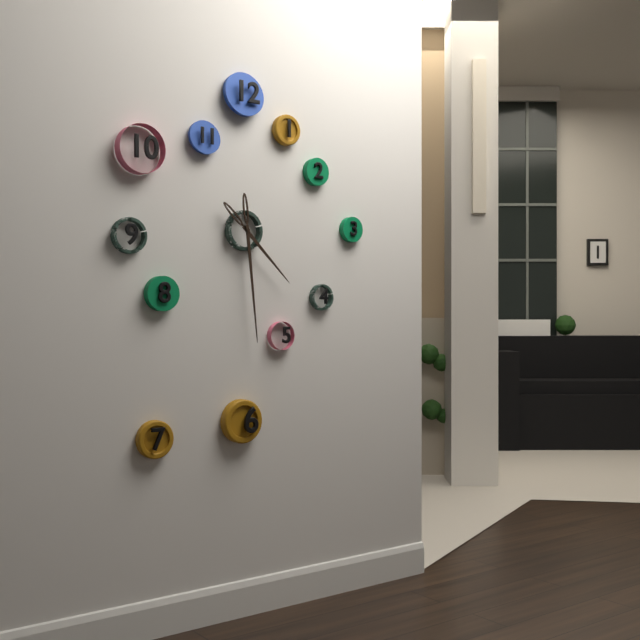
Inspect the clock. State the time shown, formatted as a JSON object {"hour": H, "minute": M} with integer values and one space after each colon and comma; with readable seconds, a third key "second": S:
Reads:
{"hour": 4, "minute": 29}
